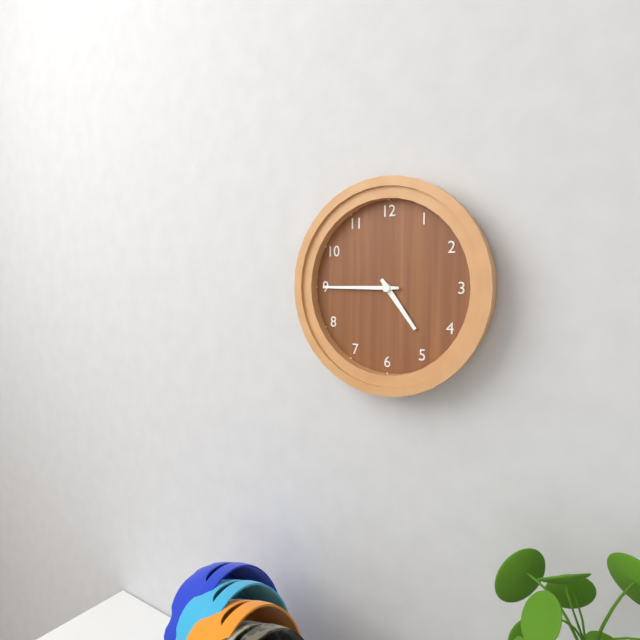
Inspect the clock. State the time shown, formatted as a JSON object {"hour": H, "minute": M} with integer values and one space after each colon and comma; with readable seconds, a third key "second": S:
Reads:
{"hour": 4, "minute": 45}
